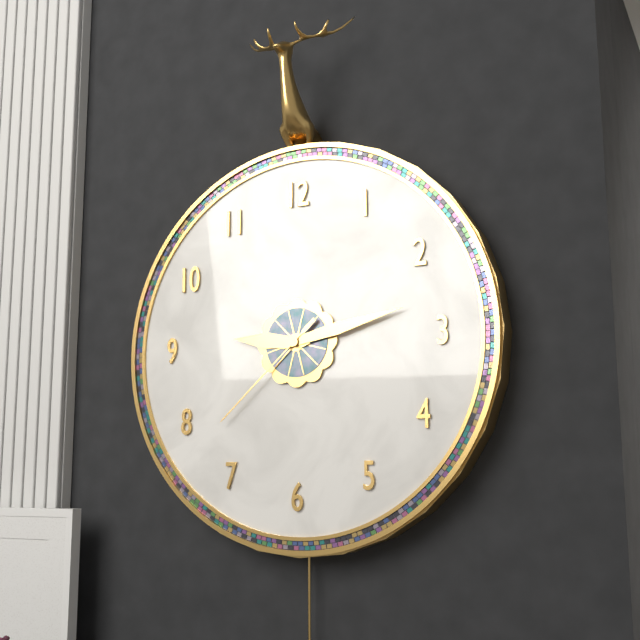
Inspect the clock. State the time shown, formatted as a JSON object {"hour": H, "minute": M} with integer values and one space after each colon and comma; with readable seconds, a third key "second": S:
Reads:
{"hour": 9, "minute": 13, "second": 38}
